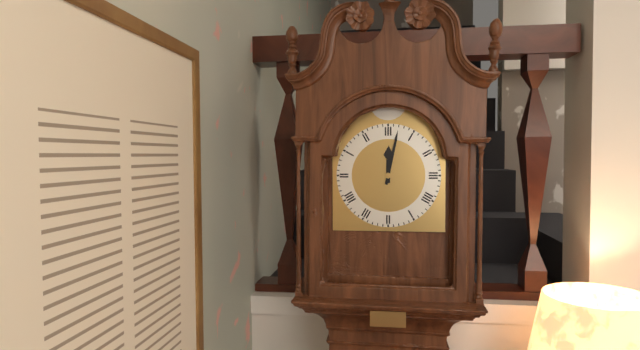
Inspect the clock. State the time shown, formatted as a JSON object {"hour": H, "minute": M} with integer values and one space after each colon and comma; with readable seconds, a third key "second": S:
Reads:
{"hour": 12, "minute": 2}
